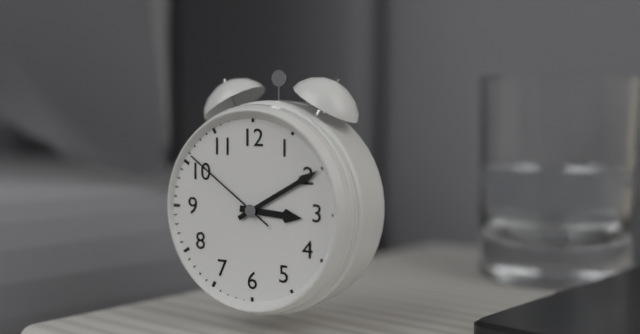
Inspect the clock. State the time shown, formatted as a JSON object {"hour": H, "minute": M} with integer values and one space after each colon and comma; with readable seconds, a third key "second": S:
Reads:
{"hour": 3, "minute": 10, "second": 51}
